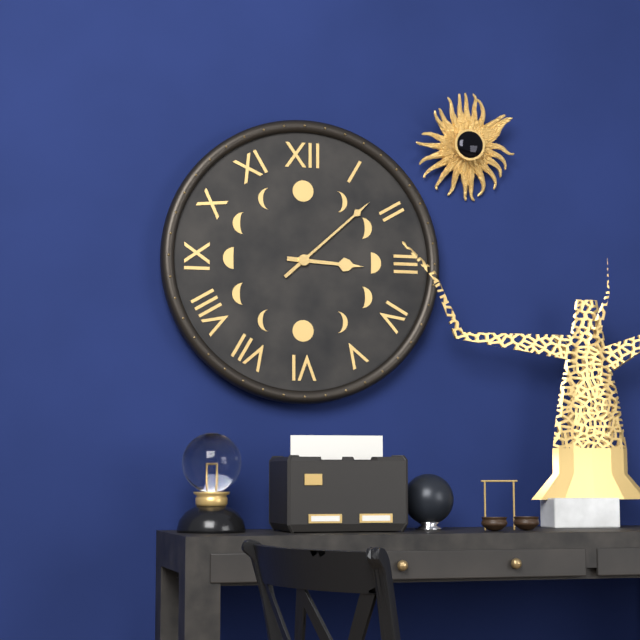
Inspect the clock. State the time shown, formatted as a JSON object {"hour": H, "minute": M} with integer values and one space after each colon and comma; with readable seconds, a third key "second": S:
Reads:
{"hour": 3, "minute": 8}
